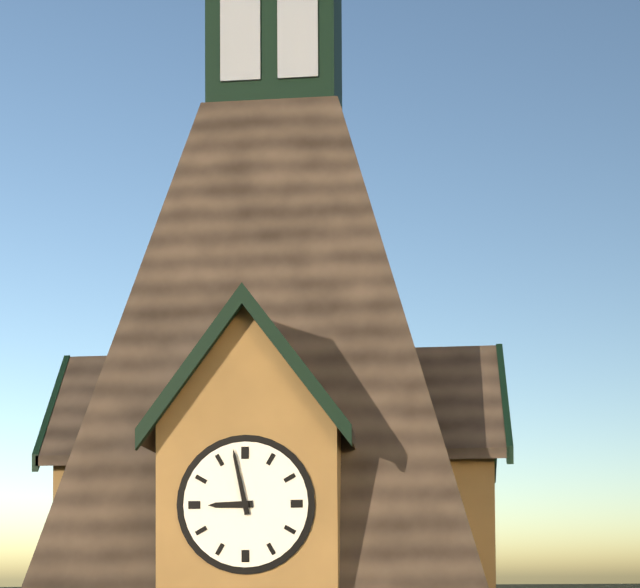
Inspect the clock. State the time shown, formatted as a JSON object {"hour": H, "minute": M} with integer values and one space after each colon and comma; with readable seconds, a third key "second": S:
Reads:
{"hour": 8, "minute": 58}
